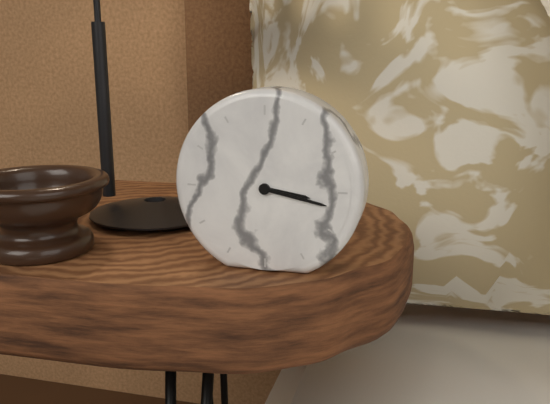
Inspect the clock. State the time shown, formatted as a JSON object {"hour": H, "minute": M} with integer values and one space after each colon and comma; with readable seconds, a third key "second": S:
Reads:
{"hour": 3, "minute": 17}
